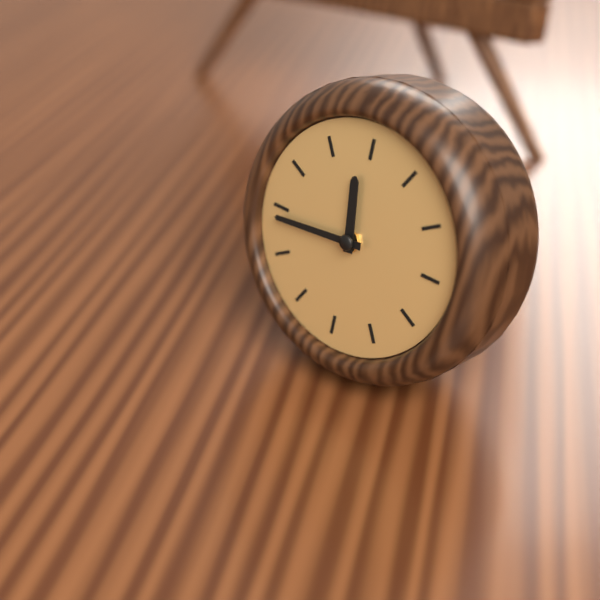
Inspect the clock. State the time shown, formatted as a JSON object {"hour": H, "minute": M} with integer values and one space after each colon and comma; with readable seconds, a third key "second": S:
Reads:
{"hour": 11, "minute": 44}
